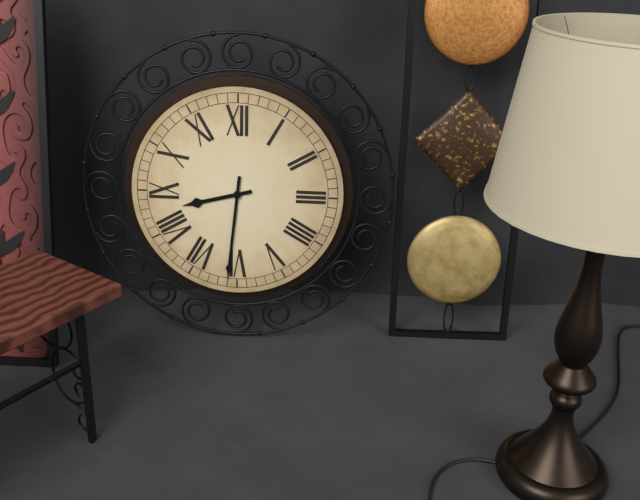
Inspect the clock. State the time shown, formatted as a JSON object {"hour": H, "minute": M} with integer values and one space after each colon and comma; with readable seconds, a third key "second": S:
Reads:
{"hour": 8, "minute": 31}
